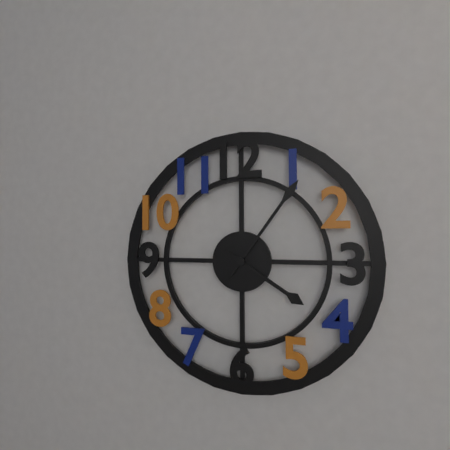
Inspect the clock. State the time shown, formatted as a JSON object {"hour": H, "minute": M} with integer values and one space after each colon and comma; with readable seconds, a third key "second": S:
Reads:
{"hour": 4, "minute": 6}
